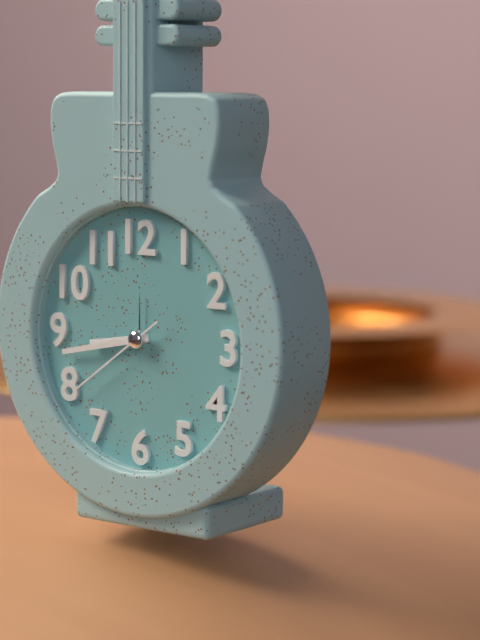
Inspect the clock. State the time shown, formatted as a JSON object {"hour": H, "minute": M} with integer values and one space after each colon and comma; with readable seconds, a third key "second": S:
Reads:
{"hour": 8, "minute": 43, "second": 39}
